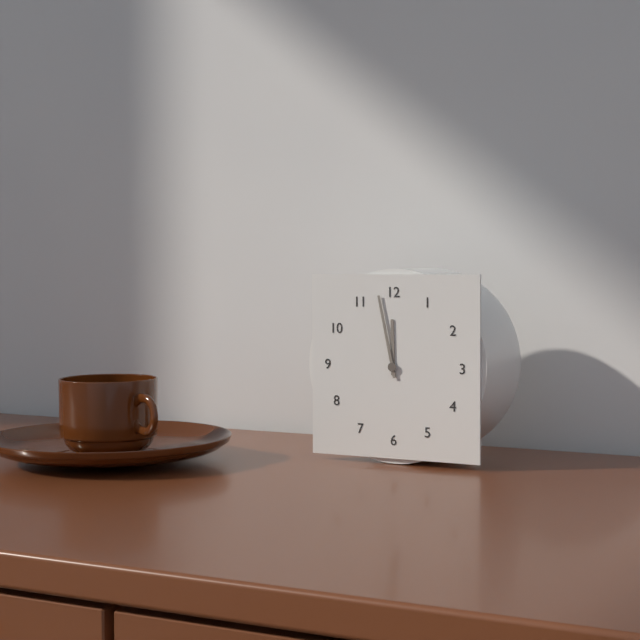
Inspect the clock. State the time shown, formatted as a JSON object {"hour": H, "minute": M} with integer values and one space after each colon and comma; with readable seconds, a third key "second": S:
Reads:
{"hour": 11, "minute": 58}
